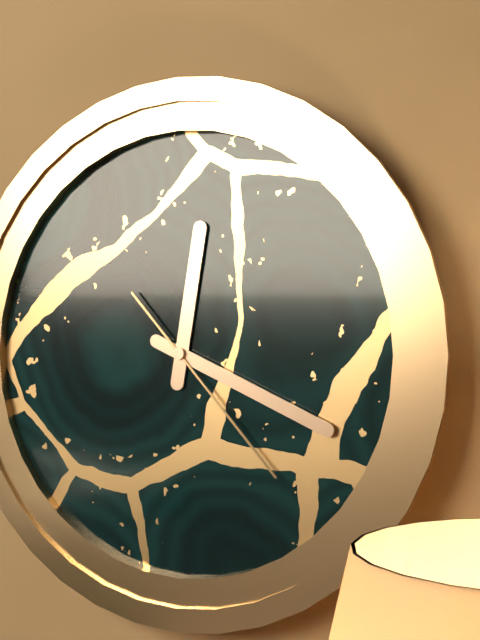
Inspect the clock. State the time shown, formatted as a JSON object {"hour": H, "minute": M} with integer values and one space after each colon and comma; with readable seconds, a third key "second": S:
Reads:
{"hour": 12, "minute": 19, "second": 23}
